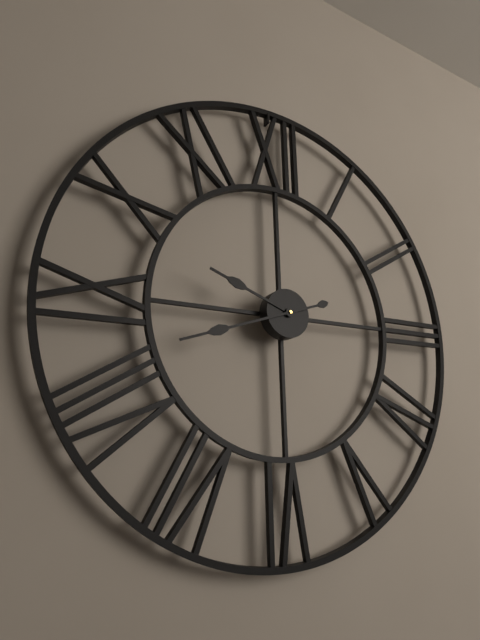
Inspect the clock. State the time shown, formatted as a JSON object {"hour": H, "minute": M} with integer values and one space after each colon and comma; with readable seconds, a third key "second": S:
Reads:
{"hour": 9, "minute": 42}
